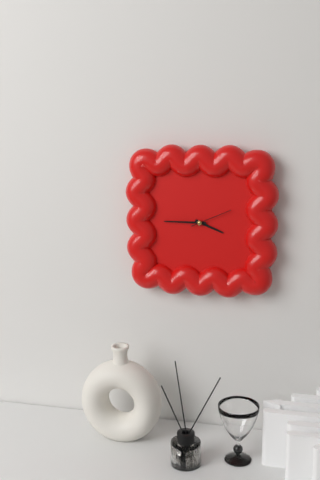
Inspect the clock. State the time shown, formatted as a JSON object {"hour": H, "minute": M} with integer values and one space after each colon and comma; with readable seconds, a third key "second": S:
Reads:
{"hour": 3, "minute": 45}
